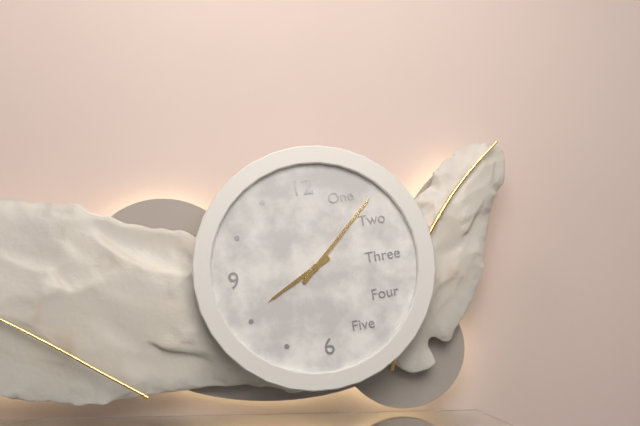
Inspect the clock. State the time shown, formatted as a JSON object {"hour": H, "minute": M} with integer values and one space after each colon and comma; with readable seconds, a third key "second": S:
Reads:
{"hour": 8, "minute": 8}
